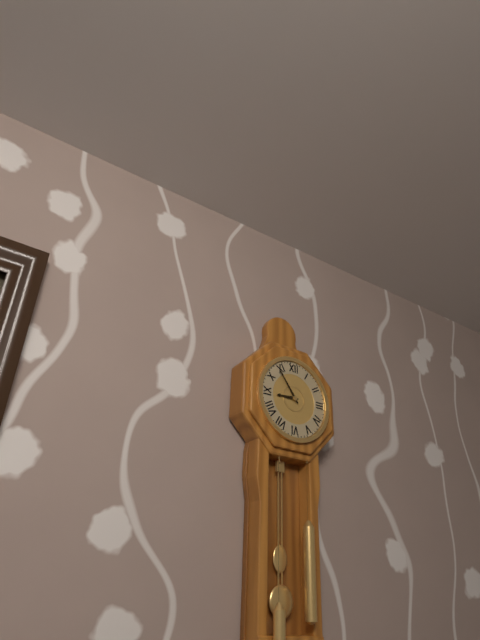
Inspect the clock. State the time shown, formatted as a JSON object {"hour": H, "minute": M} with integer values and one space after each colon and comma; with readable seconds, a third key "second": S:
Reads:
{"hour": 8, "minute": 54}
